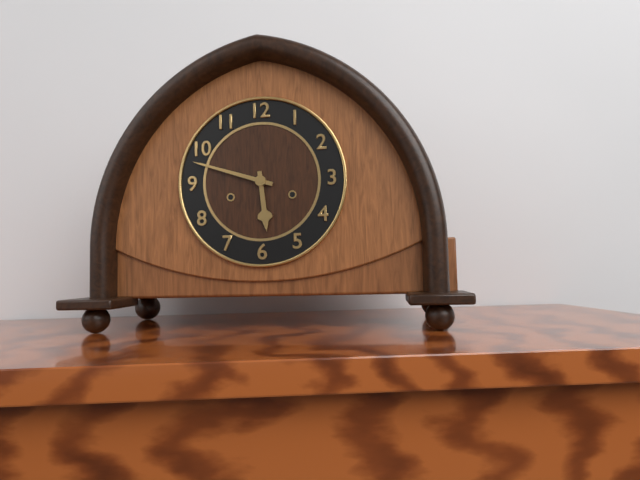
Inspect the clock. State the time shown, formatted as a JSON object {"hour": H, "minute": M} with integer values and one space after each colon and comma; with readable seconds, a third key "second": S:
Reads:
{"hour": 5, "minute": 48}
